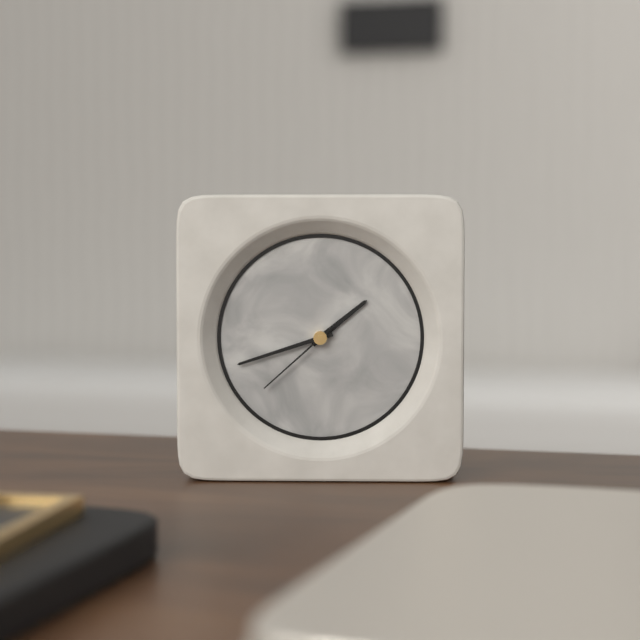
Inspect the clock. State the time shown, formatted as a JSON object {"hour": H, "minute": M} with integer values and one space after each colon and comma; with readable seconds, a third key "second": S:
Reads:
{"hour": 1, "minute": 42, "second": 38}
